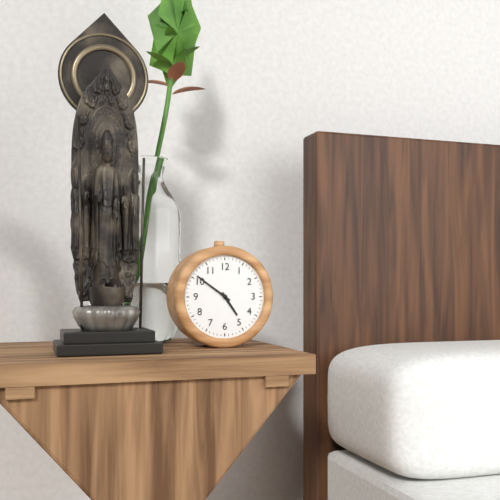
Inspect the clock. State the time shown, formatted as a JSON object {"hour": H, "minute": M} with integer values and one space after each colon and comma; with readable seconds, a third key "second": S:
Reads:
{"hour": 4, "minute": 51}
